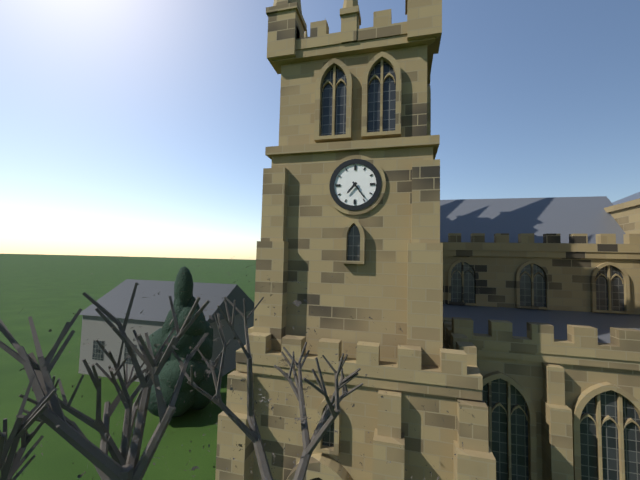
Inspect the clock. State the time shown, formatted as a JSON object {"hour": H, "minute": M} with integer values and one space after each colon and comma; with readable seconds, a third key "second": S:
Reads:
{"hour": 7, "minute": 24}
